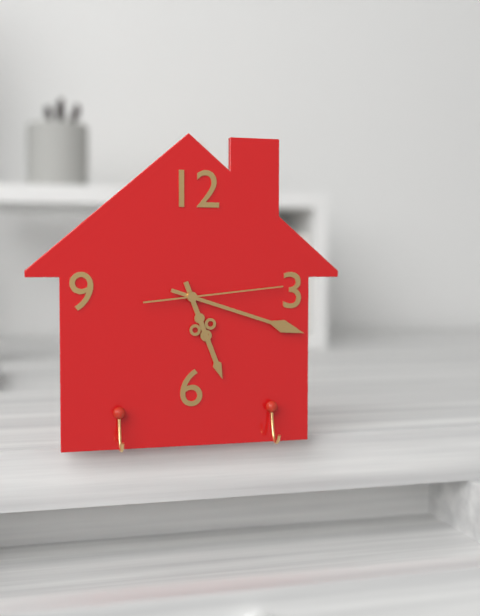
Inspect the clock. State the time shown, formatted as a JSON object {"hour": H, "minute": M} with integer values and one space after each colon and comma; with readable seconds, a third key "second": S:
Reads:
{"hour": 5, "minute": 18, "second": 14}
